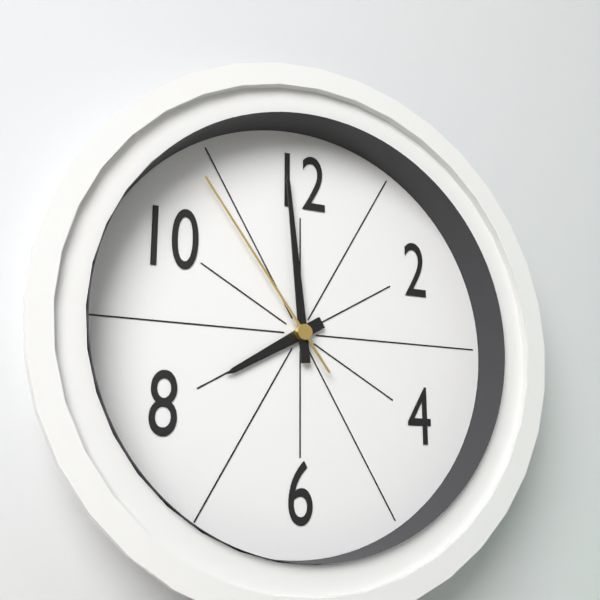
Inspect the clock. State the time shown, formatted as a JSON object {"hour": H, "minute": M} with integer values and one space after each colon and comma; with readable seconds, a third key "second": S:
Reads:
{"hour": 7, "minute": 59, "second": 54}
